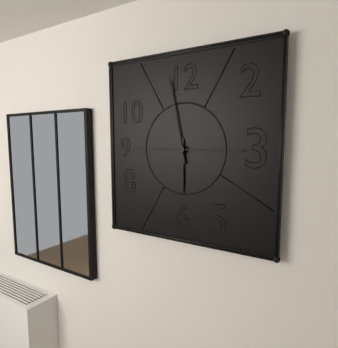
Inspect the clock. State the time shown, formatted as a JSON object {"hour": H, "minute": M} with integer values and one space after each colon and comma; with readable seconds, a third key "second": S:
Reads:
{"hour": 5, "minute": 58, "second": 45}
